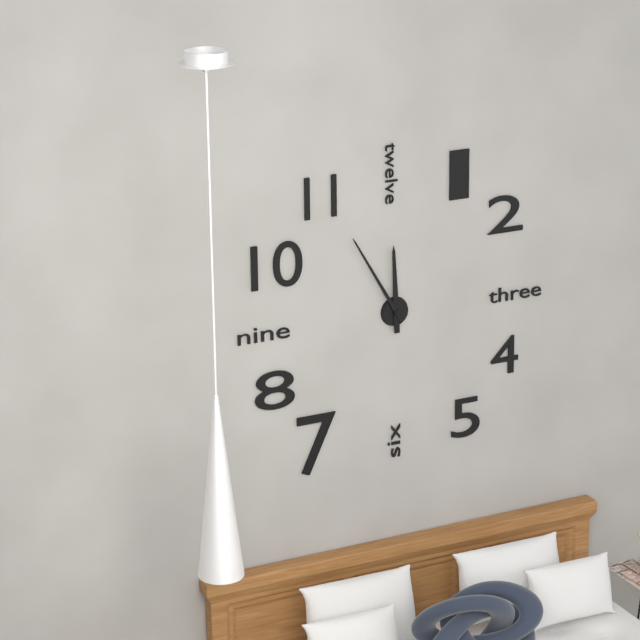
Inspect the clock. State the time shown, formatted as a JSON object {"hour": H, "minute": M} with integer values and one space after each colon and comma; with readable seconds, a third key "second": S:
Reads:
{"hour": 11, "minute": 55}
